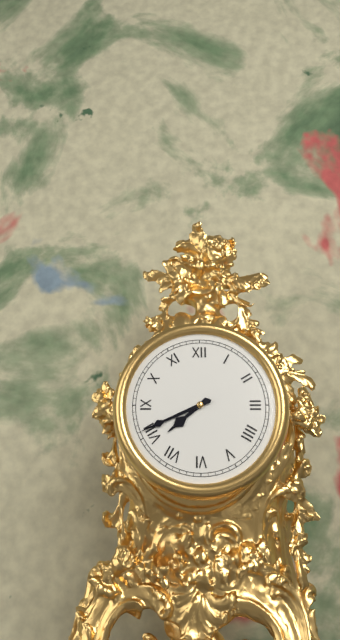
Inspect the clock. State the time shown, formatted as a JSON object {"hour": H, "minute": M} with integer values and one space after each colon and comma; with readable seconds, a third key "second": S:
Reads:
{"hour": 7, "minute": 41}
